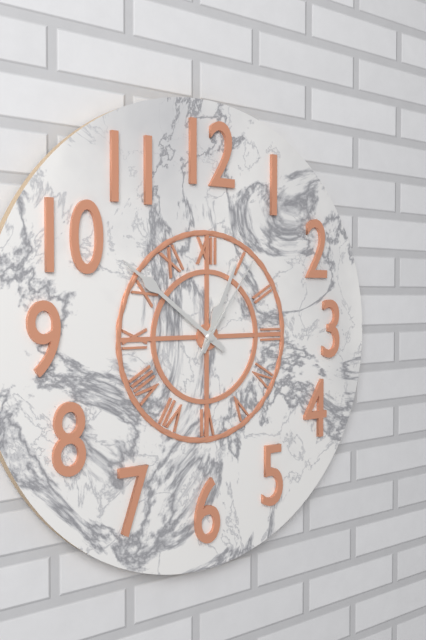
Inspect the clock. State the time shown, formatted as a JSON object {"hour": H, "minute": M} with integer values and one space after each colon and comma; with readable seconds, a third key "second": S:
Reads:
{"hour": 12, "minute": 51, "second": 6}
